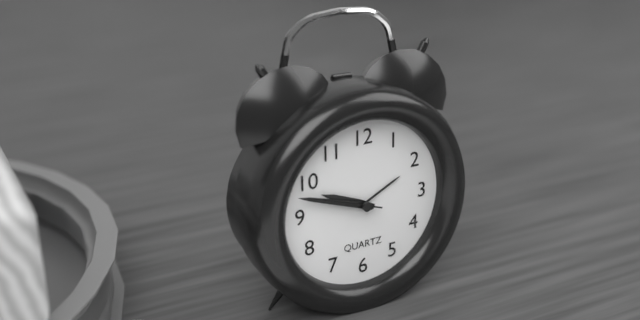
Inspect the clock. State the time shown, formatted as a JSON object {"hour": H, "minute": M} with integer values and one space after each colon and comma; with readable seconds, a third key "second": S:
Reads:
{"hour": 9, "minute": 48, "second": 48}
